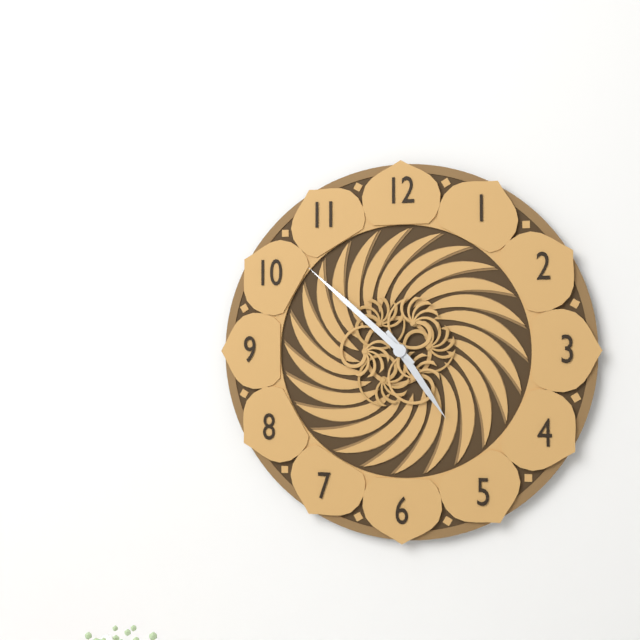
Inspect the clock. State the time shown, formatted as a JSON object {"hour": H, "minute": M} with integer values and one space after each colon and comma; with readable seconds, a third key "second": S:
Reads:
{"hour": 4, "minute": 52}
